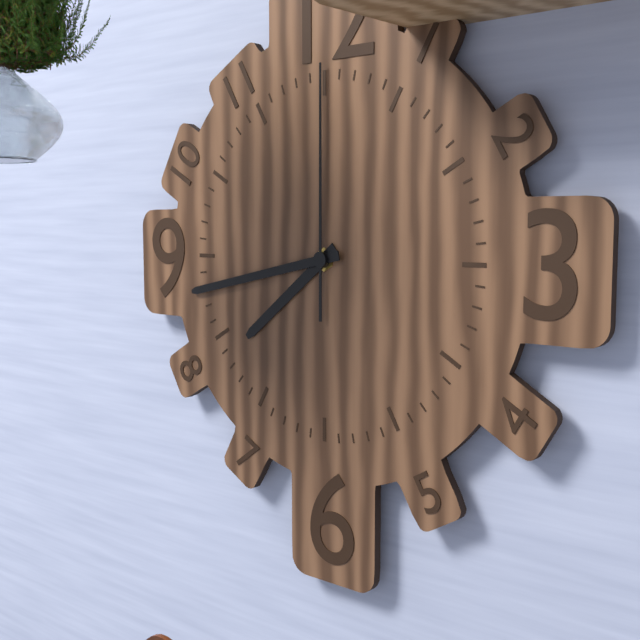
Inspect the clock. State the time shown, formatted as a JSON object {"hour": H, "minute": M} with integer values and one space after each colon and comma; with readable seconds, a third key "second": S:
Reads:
{"hour": 7, "minute": 43, "second": 0}
